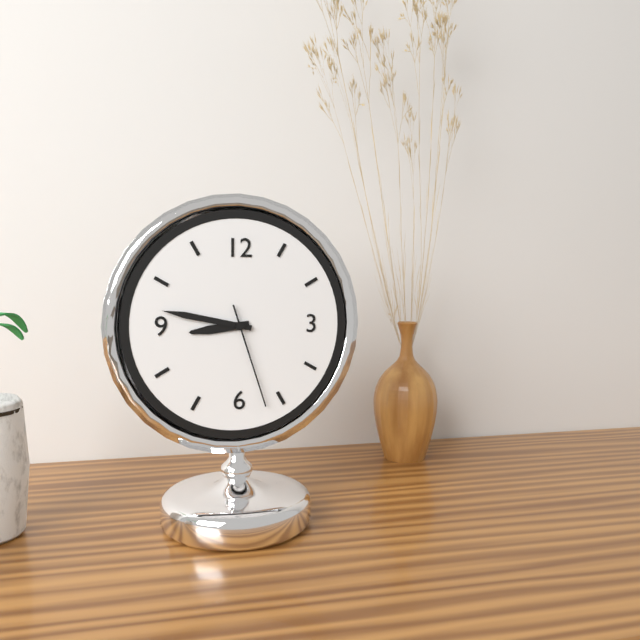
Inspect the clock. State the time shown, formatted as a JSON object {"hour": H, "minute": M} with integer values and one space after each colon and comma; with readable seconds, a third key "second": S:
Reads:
{"hour": 8, "minute": 47, "second": 27}
